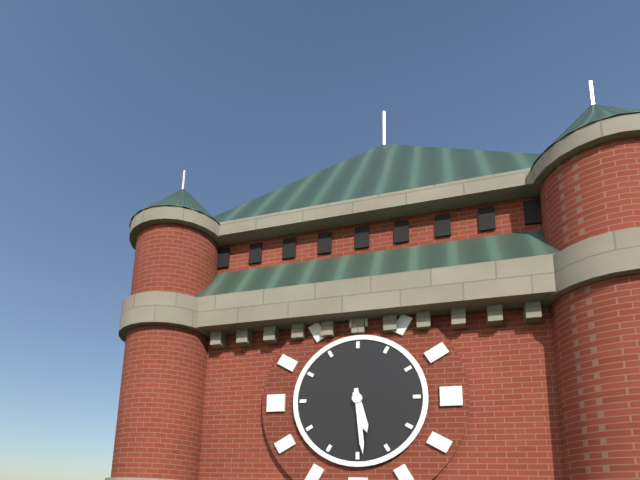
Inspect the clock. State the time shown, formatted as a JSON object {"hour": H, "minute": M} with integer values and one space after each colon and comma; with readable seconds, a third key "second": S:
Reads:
{"hour": 5, "minute": 29}
